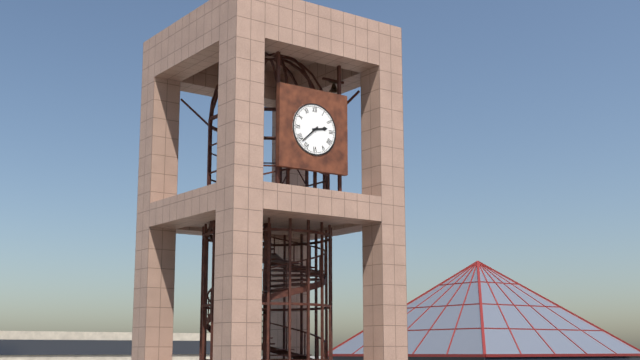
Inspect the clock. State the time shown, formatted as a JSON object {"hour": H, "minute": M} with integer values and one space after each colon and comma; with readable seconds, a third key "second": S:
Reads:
{"hour": 2, "minute": 38}
